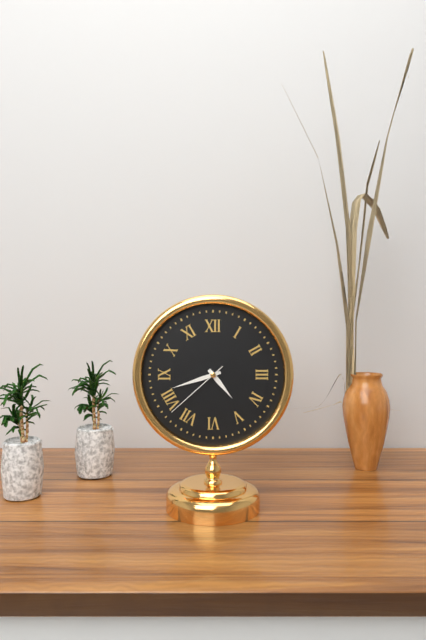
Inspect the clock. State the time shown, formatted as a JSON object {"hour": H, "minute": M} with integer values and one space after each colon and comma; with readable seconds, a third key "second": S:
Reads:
{"hour": 4, "minute": 42, "second": 38}
